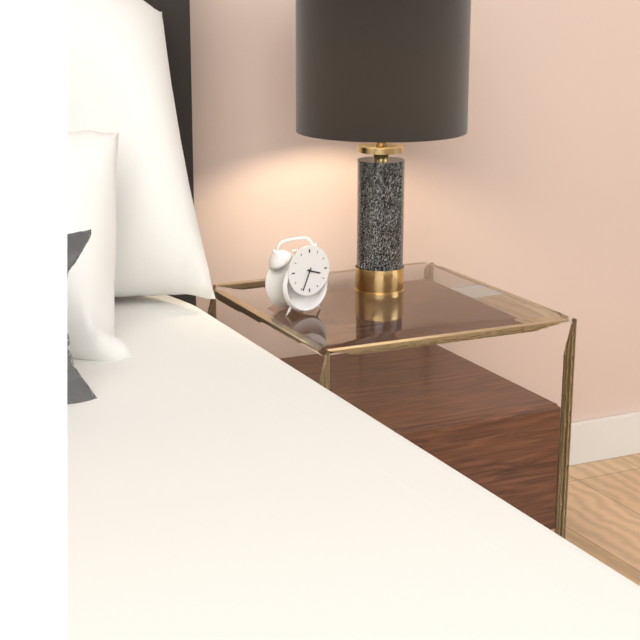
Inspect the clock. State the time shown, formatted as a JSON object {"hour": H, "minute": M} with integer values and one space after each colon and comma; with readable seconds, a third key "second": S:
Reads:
{"hour": 3, "minute": 34}
